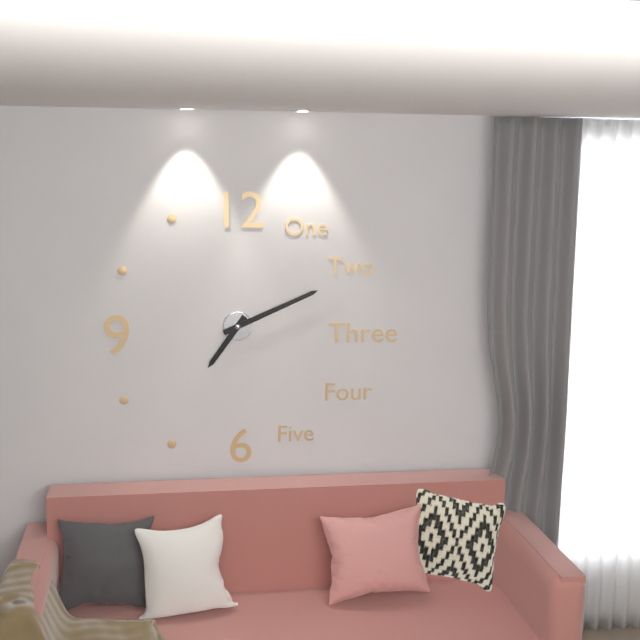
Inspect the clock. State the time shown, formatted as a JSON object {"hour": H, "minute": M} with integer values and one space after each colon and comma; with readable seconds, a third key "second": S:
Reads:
{"hour": 7, "minute": 11}
